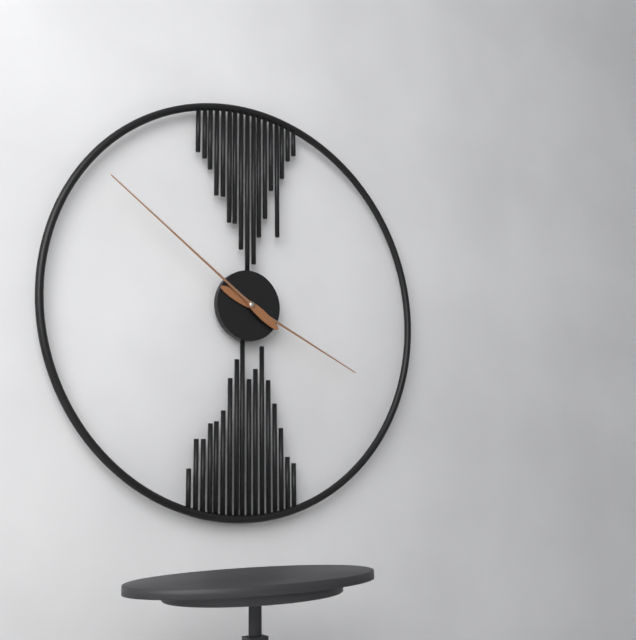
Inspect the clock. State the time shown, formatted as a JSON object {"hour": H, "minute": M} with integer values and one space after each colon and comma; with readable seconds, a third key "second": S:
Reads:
{"hour": 3, "minute": 51}
